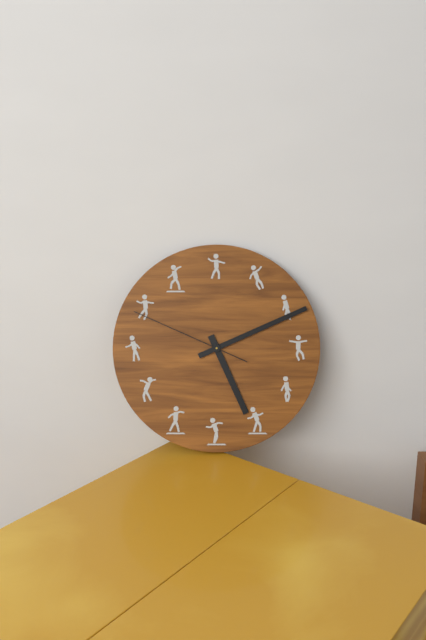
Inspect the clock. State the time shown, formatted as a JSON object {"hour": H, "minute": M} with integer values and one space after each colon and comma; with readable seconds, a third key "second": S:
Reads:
{"hour": 5, "minute": 11, "second": 49}
